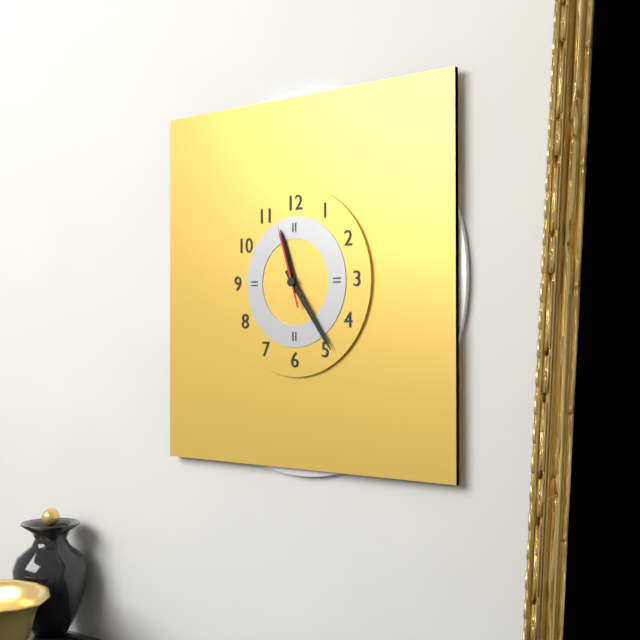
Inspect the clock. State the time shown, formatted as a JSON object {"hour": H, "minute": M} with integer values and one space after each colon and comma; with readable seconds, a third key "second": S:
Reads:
{"hour": 11, "minute": 24, "second": 57}
